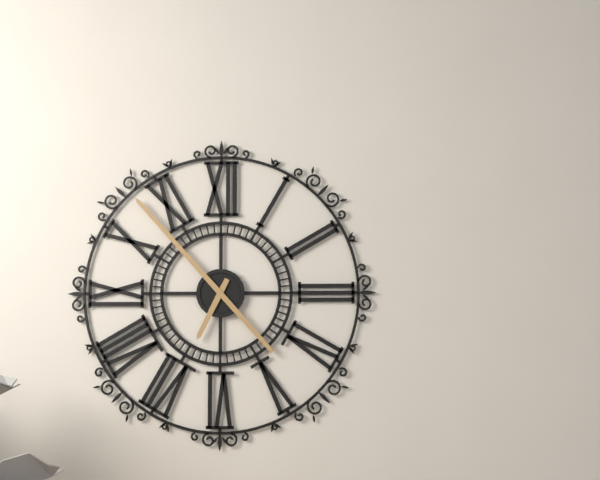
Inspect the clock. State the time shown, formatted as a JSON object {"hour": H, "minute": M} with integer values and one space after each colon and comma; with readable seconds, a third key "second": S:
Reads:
{"hour": 6, "minute": 53}
